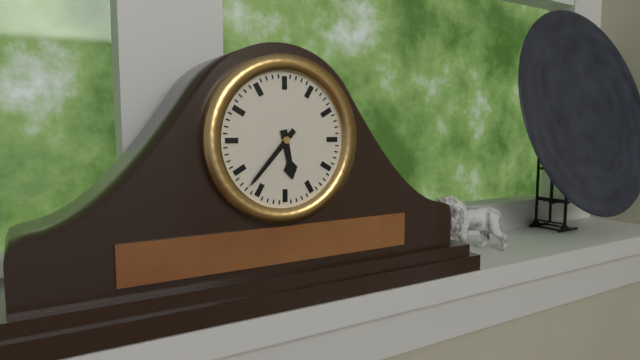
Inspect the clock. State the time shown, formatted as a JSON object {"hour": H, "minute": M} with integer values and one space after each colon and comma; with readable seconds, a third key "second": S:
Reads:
{"hour": 5, "minute": 37}
